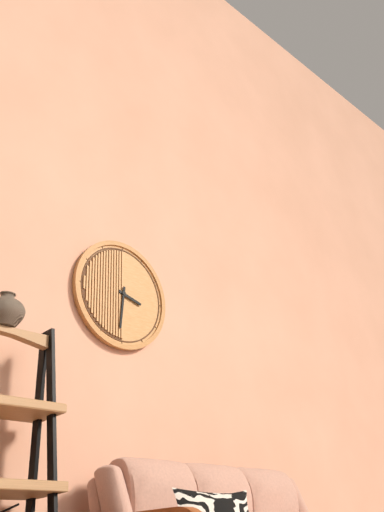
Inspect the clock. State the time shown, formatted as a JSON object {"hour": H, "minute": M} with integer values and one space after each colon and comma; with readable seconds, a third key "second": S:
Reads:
{"hour": 3, "minute": 31}
